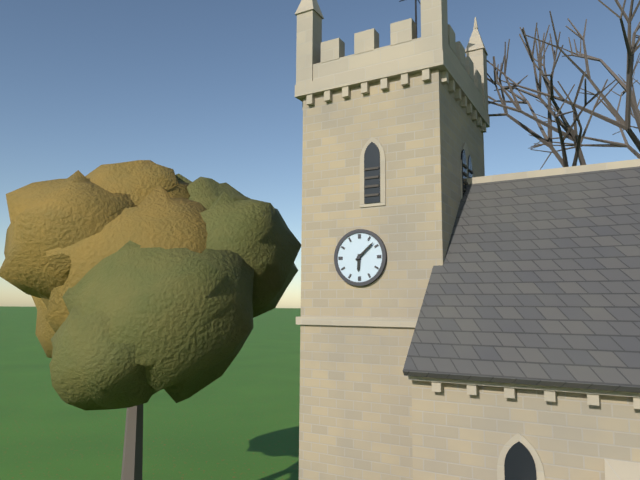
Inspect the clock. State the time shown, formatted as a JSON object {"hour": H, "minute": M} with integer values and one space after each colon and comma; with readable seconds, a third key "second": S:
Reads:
{"hour": 6, "minute": 8}
